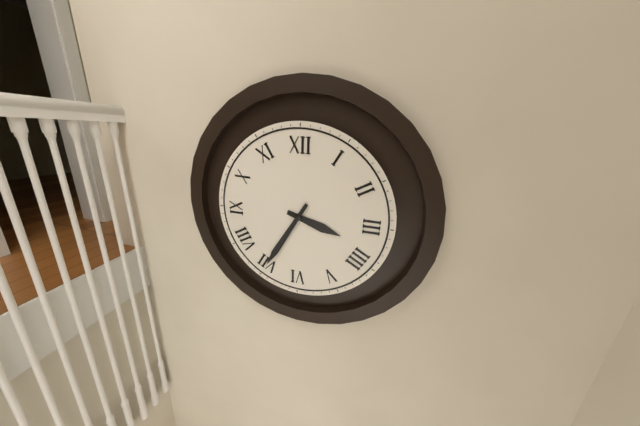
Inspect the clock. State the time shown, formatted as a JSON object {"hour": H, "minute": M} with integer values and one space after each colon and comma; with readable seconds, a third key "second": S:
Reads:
{"hour": 3, "minute": 35}
